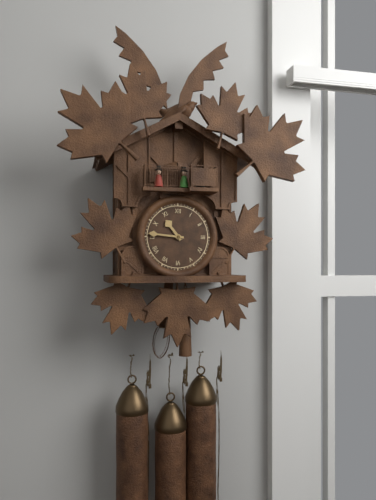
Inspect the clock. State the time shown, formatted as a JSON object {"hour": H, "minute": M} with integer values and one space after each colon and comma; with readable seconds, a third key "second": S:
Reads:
{"hour": 10, "minute": 46}
